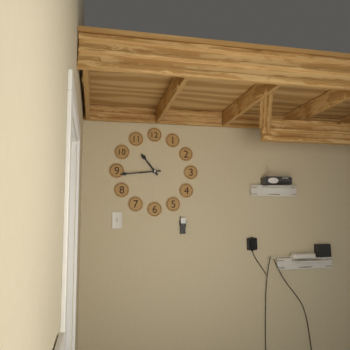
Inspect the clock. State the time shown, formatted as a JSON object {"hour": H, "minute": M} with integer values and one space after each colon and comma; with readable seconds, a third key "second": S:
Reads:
{"hour": 10, "minute": 44}
